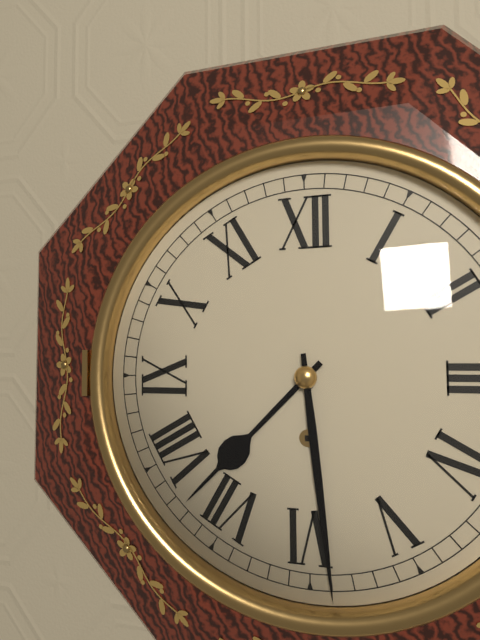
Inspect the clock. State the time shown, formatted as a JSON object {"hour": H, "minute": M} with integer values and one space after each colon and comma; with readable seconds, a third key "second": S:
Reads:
{"hour": 7, "minute": 29}
